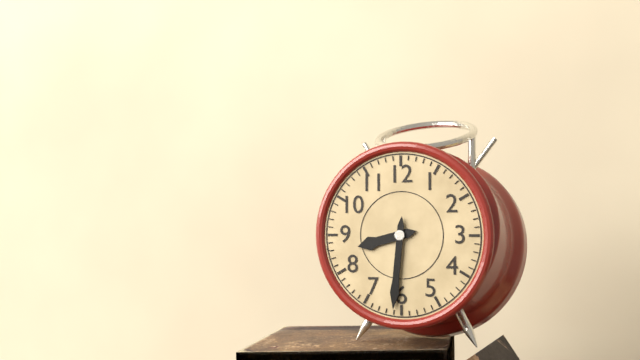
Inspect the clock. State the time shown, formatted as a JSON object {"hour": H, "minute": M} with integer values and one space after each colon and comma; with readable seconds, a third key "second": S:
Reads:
{"hour": 8, "minute": 31}
